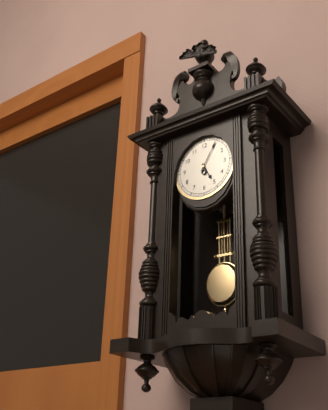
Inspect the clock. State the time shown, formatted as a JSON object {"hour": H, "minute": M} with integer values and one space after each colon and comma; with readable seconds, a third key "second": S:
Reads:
{"hour": 5, "minute": 5}
